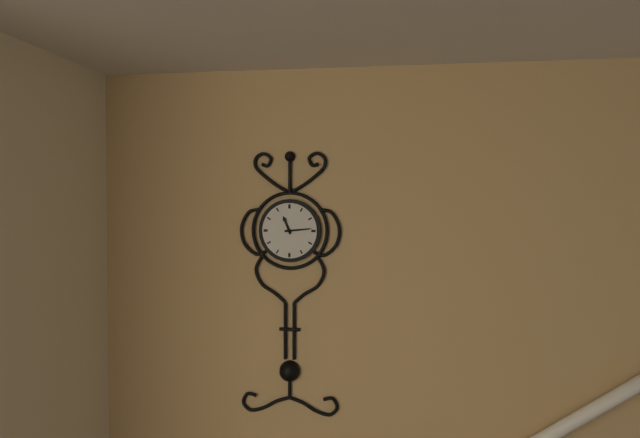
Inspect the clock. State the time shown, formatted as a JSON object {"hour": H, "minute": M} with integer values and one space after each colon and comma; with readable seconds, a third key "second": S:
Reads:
{"hour": 11, "minute": 14}
